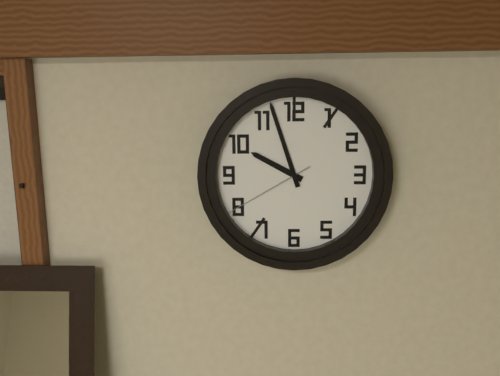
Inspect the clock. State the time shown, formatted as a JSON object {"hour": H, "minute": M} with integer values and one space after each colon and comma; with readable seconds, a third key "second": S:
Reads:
{"hour": 9, "minute": 57, "second": 40}
